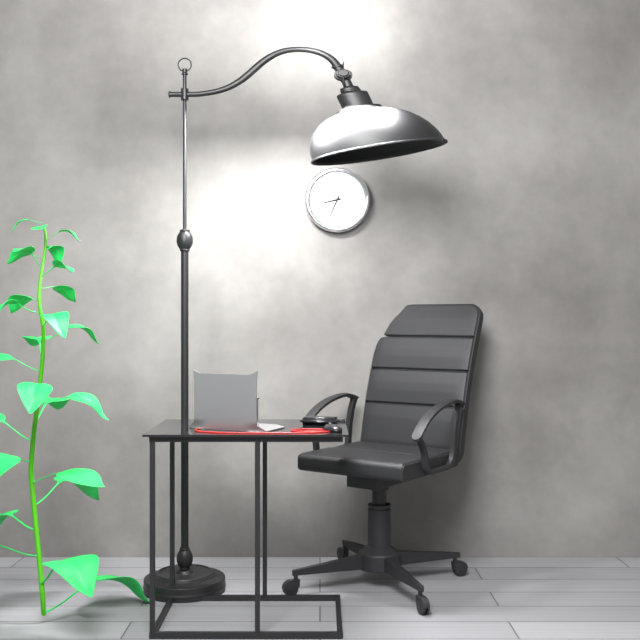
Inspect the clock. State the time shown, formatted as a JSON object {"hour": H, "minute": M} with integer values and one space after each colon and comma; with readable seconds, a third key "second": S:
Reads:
{"hour": 8, "minute": 34}
